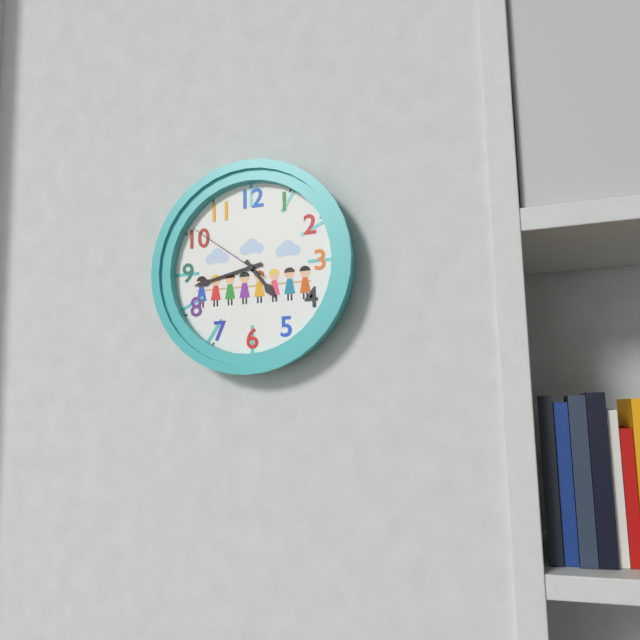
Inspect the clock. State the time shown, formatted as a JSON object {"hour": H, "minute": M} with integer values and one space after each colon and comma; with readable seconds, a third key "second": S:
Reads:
{"hour": 4, "minute": 43, "second": 51}
